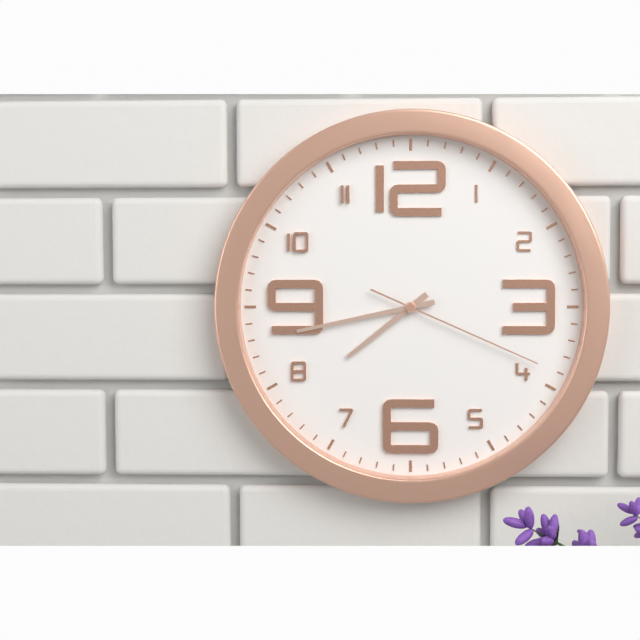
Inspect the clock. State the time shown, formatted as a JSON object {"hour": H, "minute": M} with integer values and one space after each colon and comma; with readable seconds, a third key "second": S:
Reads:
{"hour": 7, "minute": 43, "second": 19}
